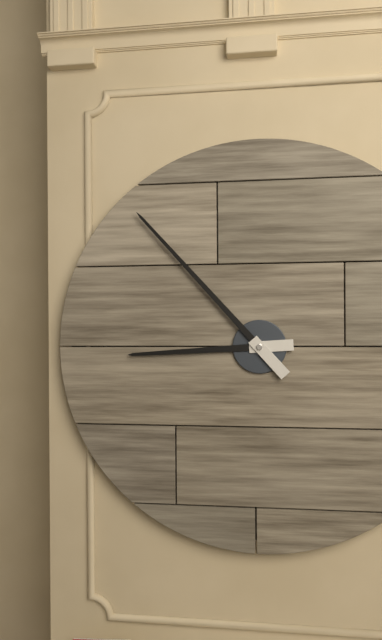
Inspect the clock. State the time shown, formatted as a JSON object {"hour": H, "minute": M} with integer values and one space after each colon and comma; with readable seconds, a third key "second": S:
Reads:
{"hour": 8, "minute": 53}
